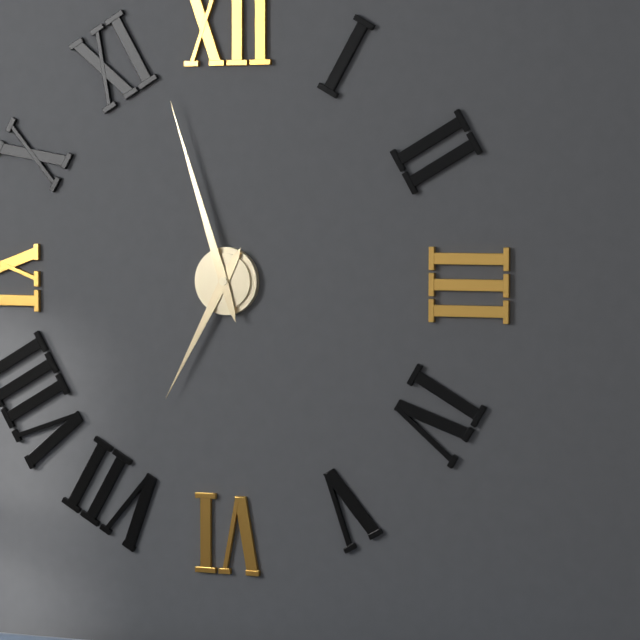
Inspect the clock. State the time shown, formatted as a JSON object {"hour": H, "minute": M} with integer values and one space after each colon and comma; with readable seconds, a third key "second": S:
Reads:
{"hour": 6, "minute": 57}
